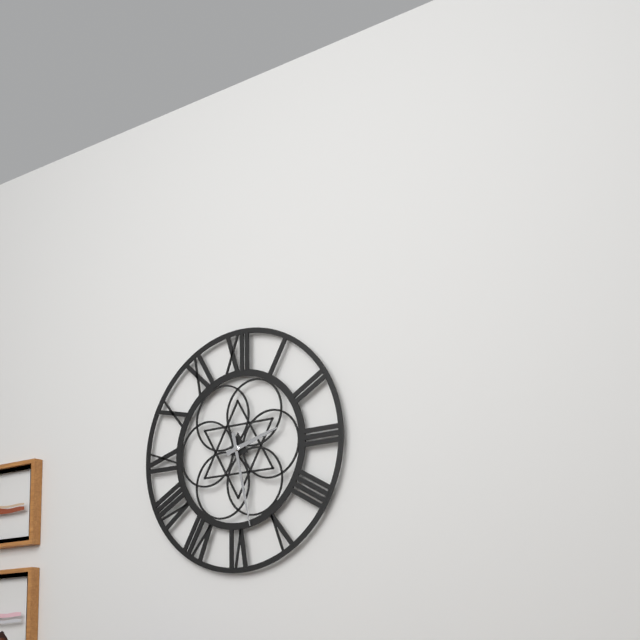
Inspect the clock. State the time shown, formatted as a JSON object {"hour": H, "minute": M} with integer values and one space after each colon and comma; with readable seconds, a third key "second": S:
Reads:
{"hour": 2, "minute": 28}
